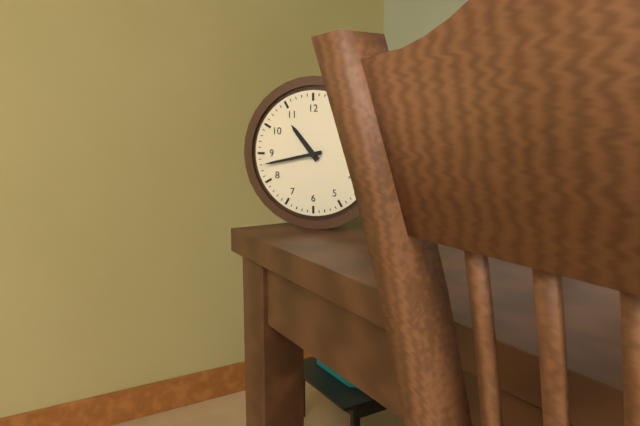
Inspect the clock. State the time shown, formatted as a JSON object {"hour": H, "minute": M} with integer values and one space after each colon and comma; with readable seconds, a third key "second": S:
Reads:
{"hour": 10, "minute": 43}
